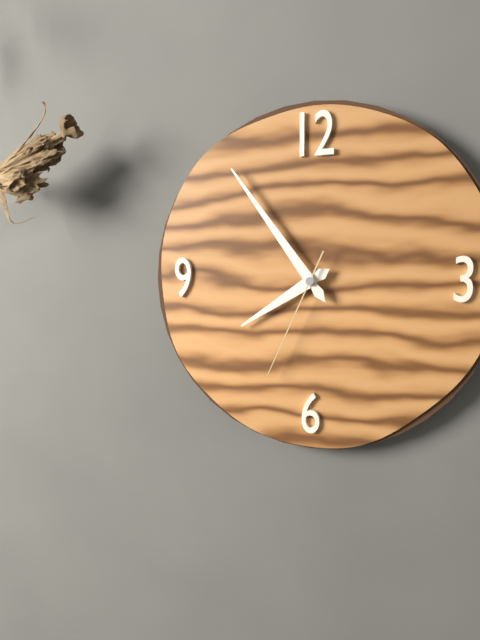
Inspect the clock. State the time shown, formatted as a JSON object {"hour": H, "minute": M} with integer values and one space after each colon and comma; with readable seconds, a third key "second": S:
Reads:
{"hour": 7, "minute": 54, "second": 34}
